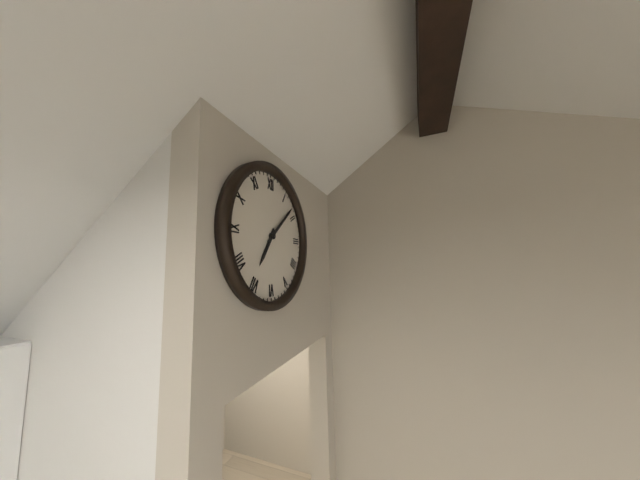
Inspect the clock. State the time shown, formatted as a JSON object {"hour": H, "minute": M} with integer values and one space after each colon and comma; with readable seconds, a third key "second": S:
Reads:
{"hour": 7, "minute": 8}
